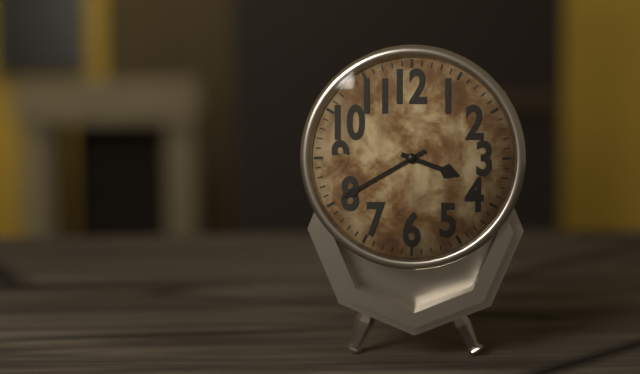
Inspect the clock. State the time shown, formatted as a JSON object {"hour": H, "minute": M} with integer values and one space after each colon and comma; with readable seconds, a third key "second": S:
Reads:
{"hour": 3, "minute": 40}
